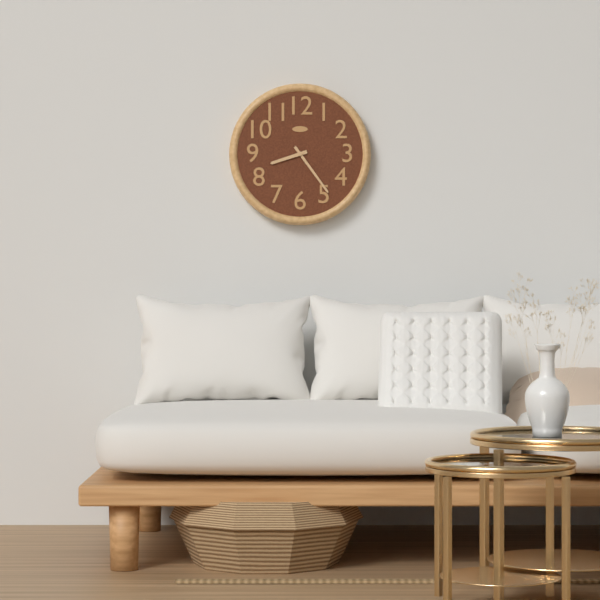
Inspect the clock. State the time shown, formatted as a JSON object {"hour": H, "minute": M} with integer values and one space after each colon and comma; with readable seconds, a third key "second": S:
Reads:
{"hour": 8, "minute": 24}
